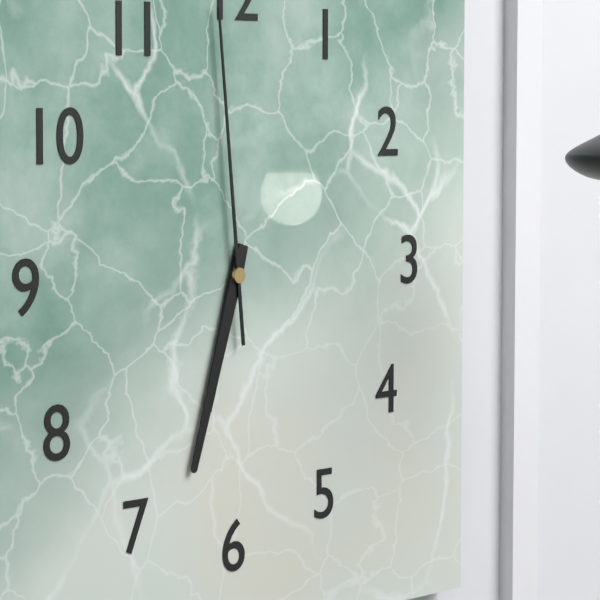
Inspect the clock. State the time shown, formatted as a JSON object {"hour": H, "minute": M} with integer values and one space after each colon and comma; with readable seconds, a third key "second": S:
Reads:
{"hour": 6, "minute": 33, "second": 59}
